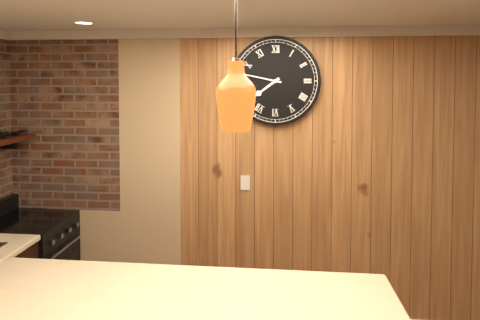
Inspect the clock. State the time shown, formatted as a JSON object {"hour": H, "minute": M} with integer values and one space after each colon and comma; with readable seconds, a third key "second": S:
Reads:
{"hour": 7, "minute": 47}
